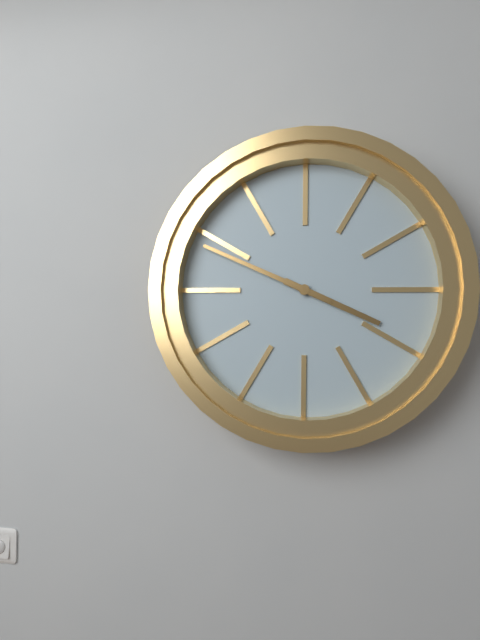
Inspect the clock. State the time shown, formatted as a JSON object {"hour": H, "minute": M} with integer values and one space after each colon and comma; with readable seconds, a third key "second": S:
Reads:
{"hour": 3, "minute": 49}
